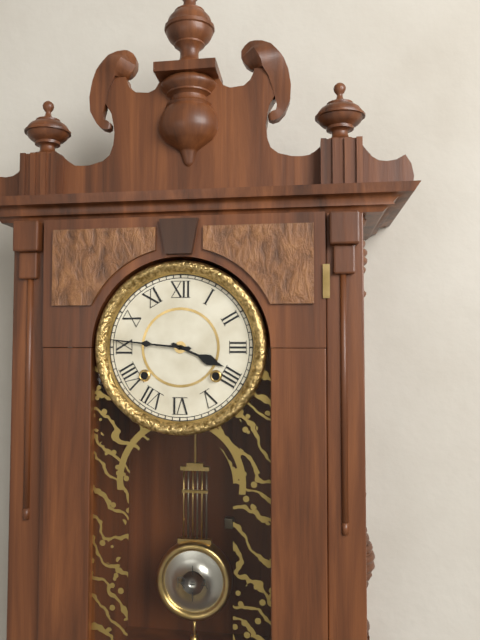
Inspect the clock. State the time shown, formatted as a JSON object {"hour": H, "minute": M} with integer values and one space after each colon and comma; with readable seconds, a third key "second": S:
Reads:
{"hour": 3, "minute": 46}
